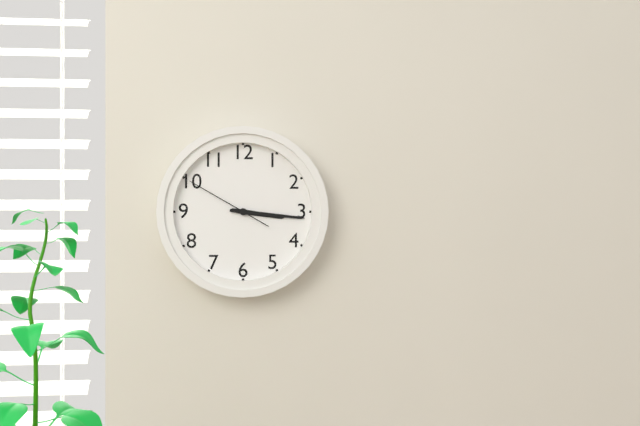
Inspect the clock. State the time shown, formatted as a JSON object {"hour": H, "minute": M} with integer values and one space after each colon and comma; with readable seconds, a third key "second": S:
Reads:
{"hour": 3, "minute": 16, "second": 50}
